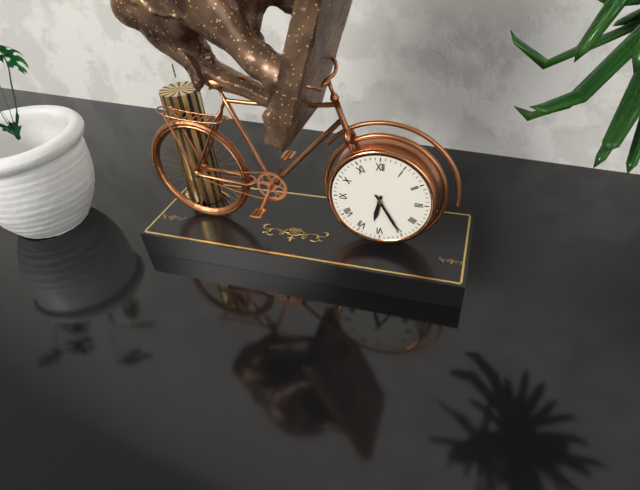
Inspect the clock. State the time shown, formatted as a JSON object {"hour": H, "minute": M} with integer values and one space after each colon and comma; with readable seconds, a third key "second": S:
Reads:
{"hour": 6, "minute": 25}
